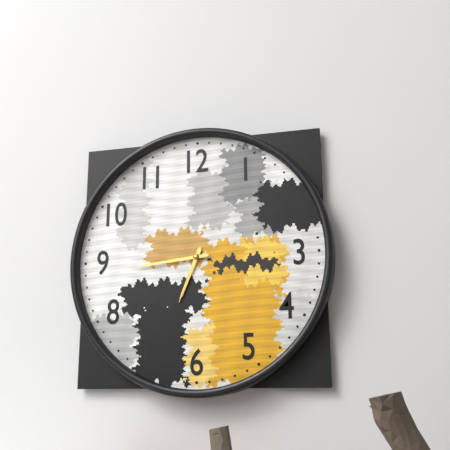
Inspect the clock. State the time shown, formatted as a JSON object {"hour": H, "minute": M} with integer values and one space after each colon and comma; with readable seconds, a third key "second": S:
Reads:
{"hour": 6, "minute": 44}
